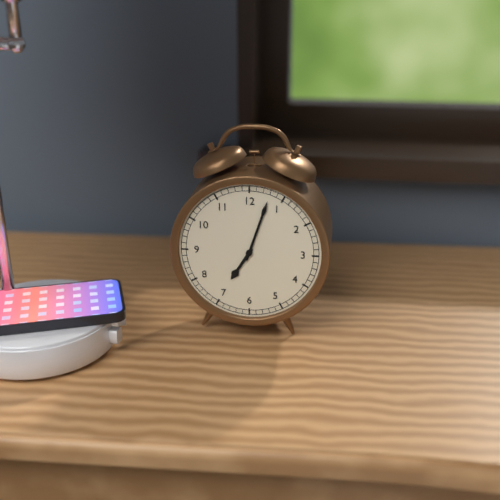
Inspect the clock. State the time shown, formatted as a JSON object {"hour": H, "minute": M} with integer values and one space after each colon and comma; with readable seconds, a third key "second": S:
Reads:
{"hour": 7, "minute": 3}
